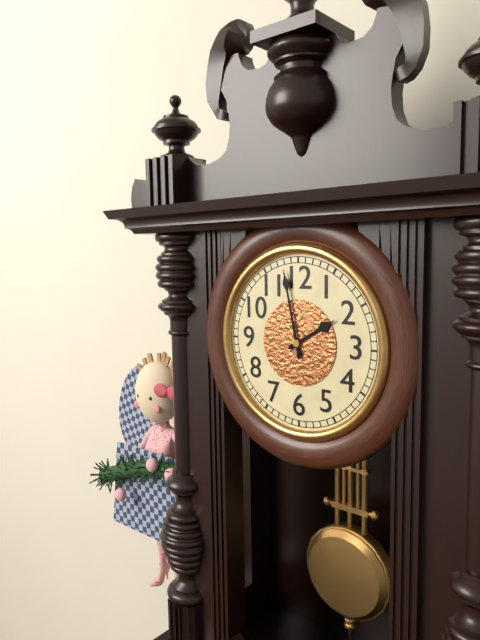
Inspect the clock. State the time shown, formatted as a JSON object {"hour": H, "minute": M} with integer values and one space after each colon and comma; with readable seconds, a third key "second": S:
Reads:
{"hour": 1, "minute": 58}
